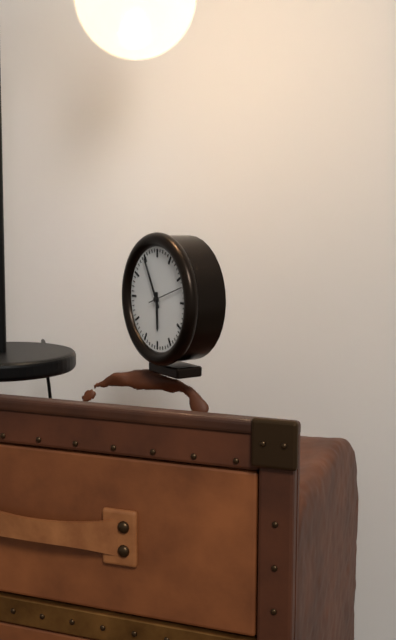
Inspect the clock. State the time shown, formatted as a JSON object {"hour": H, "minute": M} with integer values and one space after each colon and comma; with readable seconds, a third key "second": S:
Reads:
{"hour": 5, "minute": 55}
